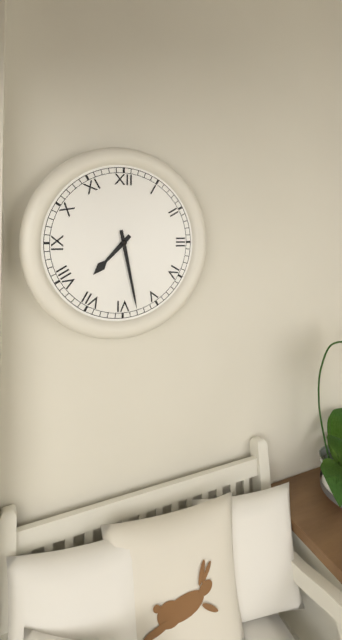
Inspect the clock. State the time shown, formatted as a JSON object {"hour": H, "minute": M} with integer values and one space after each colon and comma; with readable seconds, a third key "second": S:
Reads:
{"hour": 7, "minute": 28}
